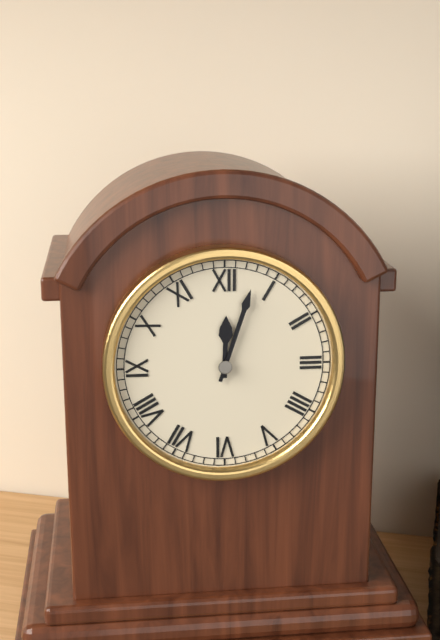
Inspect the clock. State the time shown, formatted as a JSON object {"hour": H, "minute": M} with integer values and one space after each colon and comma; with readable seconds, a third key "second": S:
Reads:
{"hour": 12, "minute": 3}
